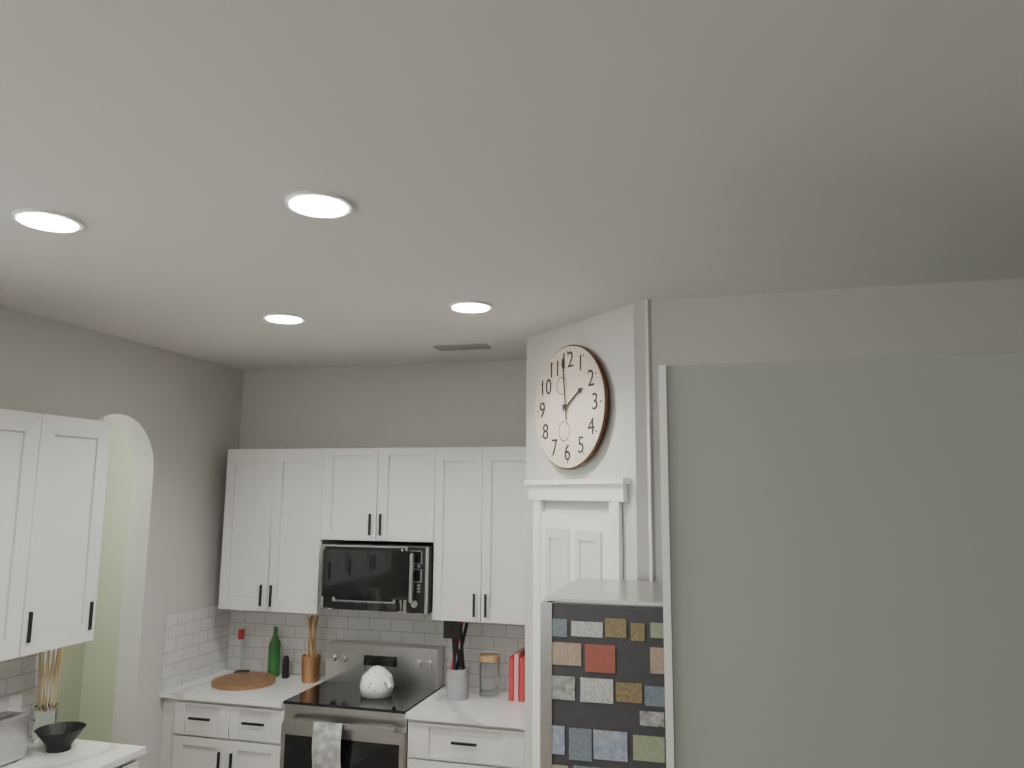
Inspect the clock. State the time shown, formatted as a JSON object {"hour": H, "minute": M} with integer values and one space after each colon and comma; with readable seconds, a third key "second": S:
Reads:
{"hour": 1, "minute": 59}
